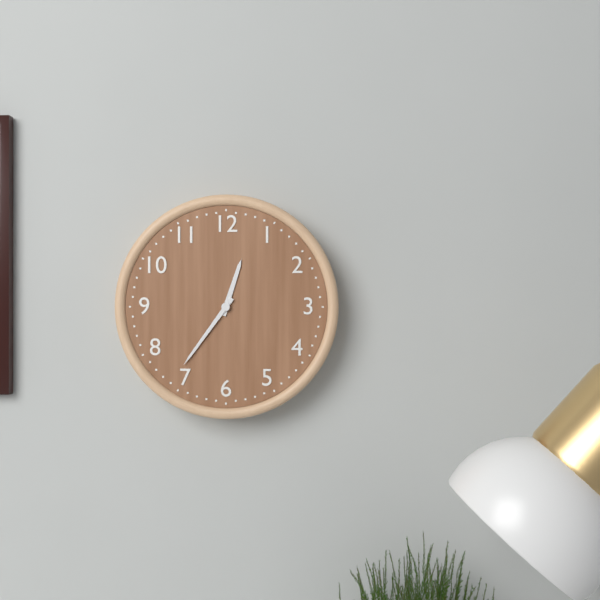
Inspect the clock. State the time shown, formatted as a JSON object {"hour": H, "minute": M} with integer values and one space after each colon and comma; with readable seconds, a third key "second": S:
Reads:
{"hour": 12, "minute": 36}
